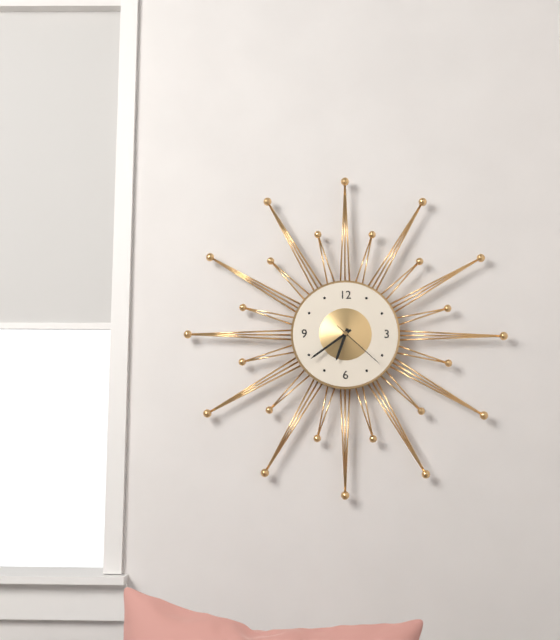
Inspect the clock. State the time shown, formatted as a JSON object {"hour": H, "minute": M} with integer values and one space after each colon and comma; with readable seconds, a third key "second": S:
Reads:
{"hour": 6, "minute": 39, "second": 22}
